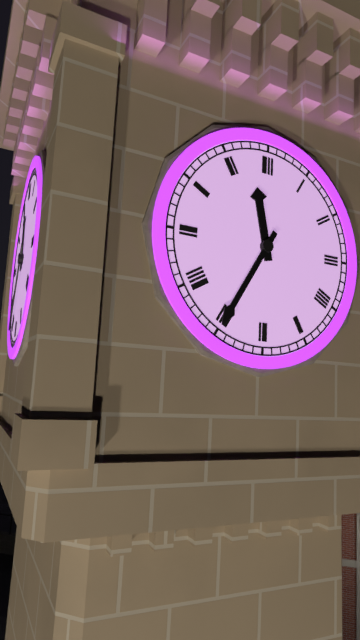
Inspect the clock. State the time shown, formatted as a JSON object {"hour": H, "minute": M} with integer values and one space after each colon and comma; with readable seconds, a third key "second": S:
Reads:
{"hour": 11, "minute": 35}
